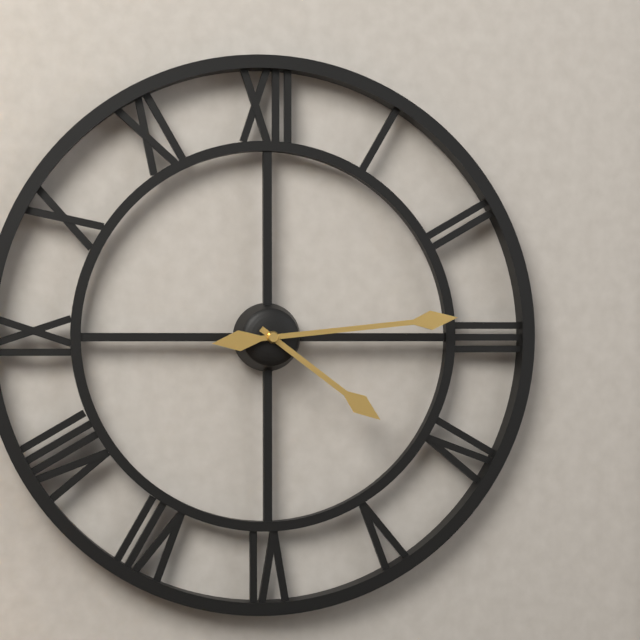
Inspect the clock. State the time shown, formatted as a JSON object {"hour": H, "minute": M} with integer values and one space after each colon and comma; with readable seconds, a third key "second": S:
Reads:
{"hour": 4, "minute": 14}
